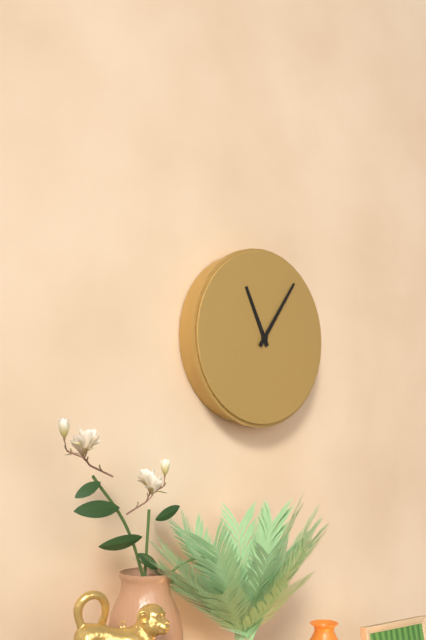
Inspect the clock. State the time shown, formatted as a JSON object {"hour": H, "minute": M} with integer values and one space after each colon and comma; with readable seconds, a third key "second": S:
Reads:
{"hour": 11, "minute": 6}
